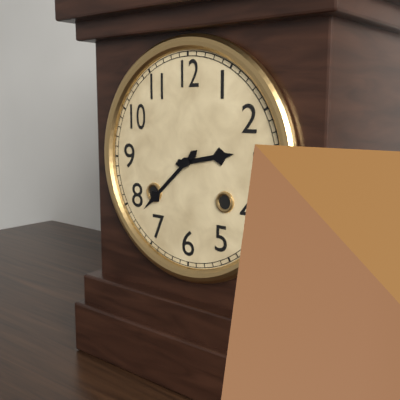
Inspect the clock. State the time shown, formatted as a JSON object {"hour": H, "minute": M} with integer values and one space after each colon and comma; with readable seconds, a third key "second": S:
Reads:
{"hour": 2, "minute": 38}
